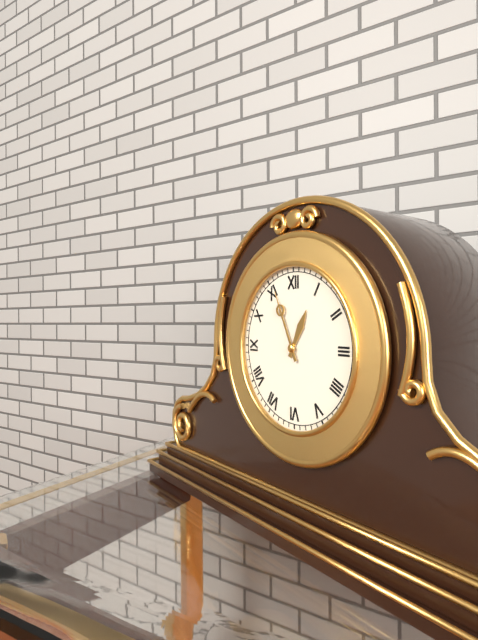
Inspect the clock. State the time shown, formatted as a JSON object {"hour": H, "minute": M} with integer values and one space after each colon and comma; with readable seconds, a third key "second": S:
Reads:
{"hour": 12, "minute": 56}
